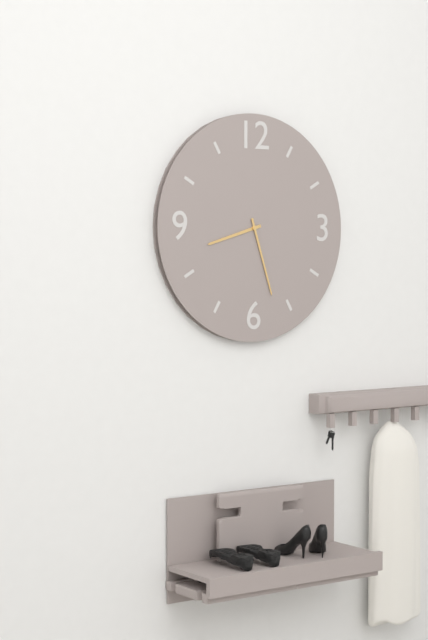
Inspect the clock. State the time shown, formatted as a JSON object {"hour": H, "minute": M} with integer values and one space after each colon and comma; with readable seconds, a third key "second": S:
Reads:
{"hour": 8, "minute": 27}
